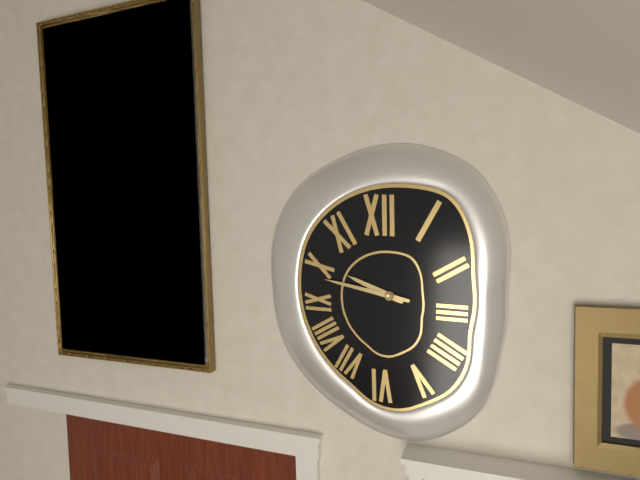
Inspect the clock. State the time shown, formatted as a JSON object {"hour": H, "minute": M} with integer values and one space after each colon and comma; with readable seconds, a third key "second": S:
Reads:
{"hour": 9, "minute": 47}
